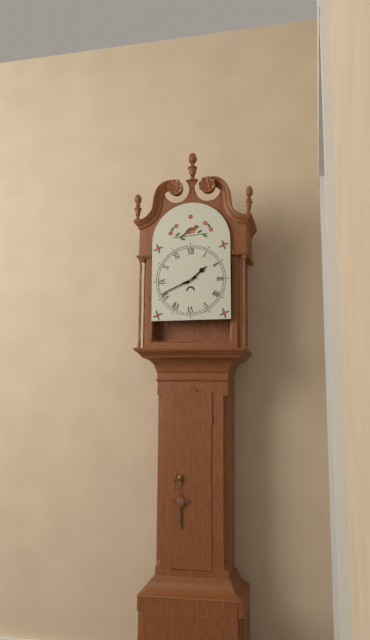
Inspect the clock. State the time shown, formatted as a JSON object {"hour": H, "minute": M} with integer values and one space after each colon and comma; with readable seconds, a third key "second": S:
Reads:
{"hour": 1, "minute": 41}
